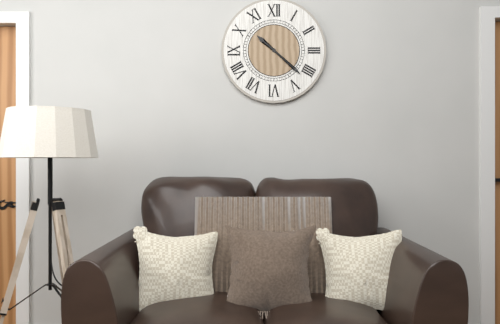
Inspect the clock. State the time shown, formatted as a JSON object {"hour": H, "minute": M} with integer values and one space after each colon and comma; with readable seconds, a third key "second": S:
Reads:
{"hour": 10, "minute": 22}
